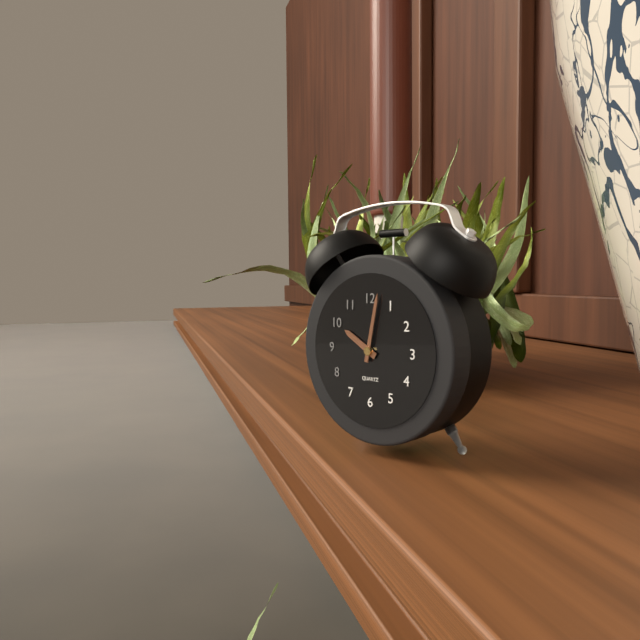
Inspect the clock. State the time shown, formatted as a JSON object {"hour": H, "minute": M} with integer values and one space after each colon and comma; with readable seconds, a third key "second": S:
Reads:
{"hour": 10, "minute": 2}
